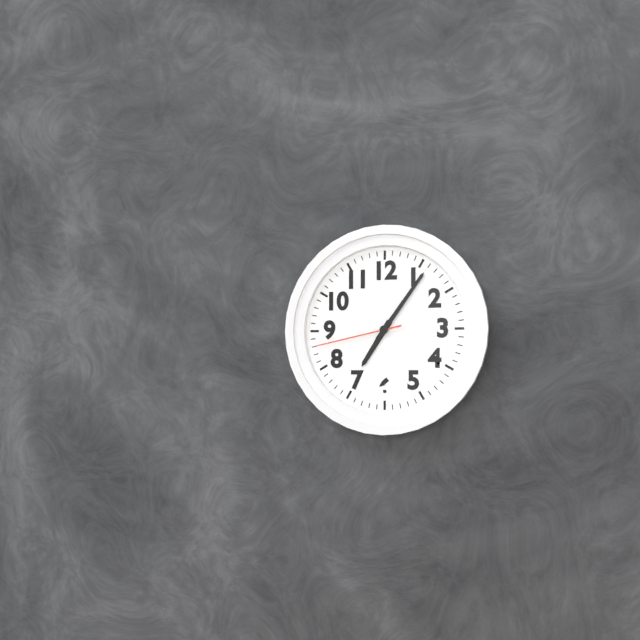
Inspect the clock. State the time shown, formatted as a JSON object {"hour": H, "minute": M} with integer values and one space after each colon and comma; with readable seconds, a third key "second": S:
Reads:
{"hour": 7, "minute": 6, "second": 43}
